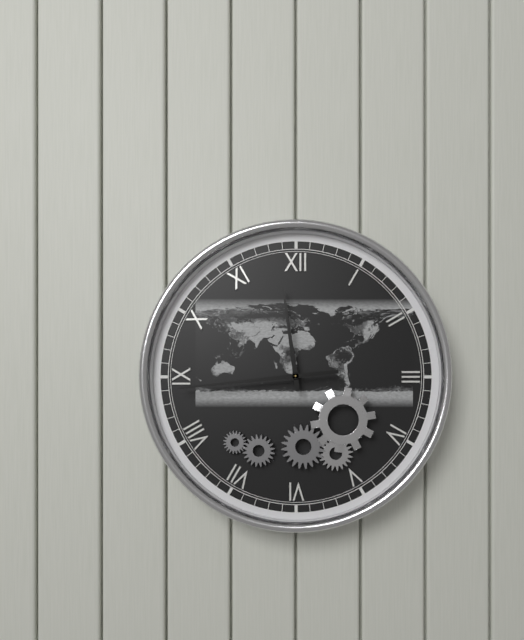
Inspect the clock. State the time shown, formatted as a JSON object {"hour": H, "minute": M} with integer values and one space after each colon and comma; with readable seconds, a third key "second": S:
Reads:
{"hour": 11, "minute": 44}
